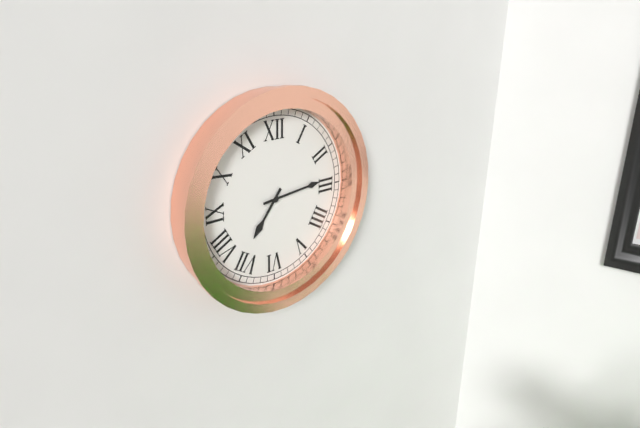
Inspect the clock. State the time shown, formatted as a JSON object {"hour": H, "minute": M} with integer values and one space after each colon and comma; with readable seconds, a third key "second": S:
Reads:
{"hour": 7, "minute": 14}
